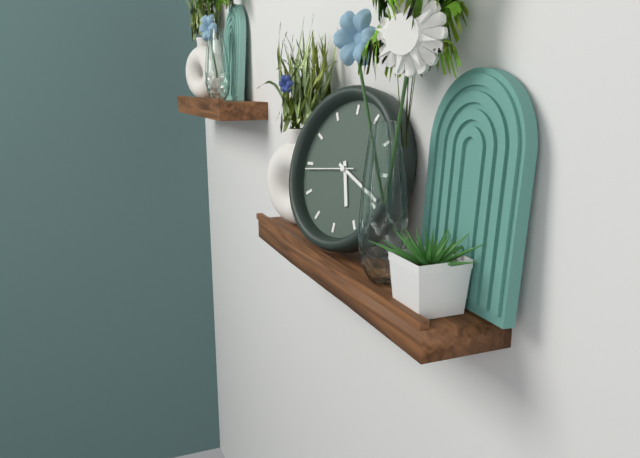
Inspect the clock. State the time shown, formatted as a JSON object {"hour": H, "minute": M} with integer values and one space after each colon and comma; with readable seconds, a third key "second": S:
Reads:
{"hour": 5, "minute": 19}
